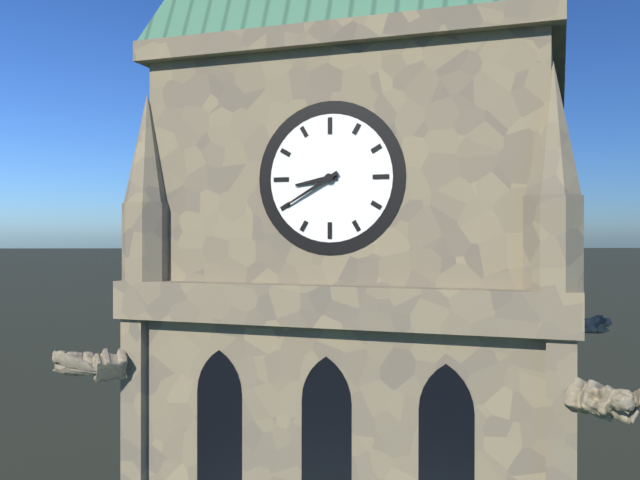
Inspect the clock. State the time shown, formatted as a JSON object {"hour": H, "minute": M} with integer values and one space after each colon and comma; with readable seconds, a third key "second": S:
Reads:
{"hour": 8, "minute": 40}
